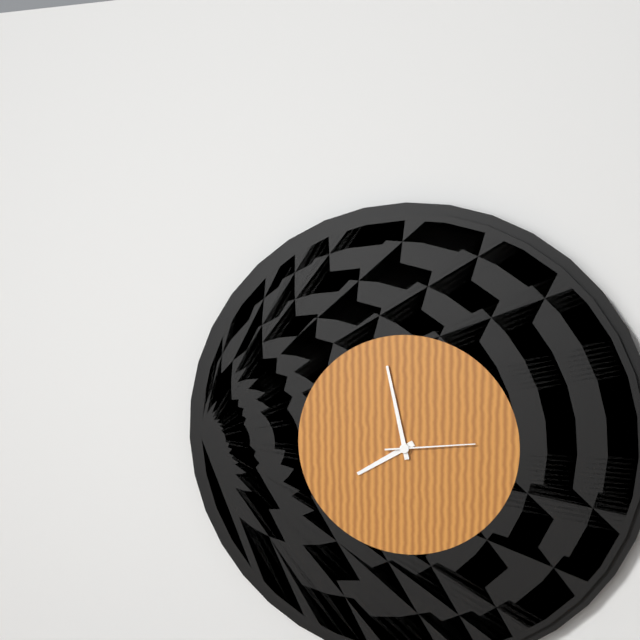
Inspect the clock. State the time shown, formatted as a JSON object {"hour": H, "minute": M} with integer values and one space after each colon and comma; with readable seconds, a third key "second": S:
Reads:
{"hour": 7, "minute": 58, "second": 14}
